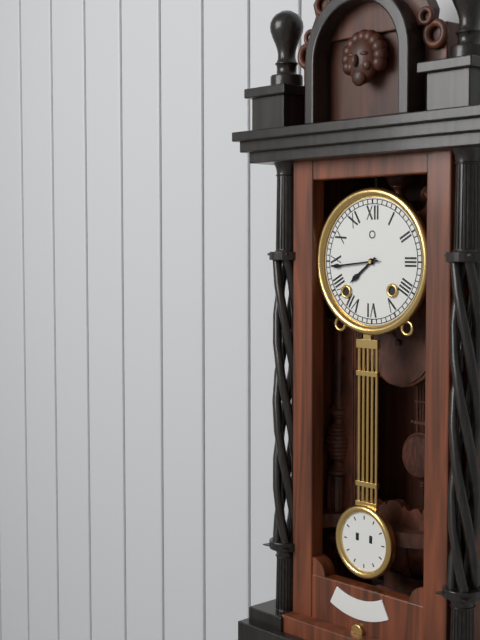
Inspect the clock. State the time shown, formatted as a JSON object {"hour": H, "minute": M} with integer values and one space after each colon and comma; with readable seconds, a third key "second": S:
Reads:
{"hour": 7, "minute": 44}
